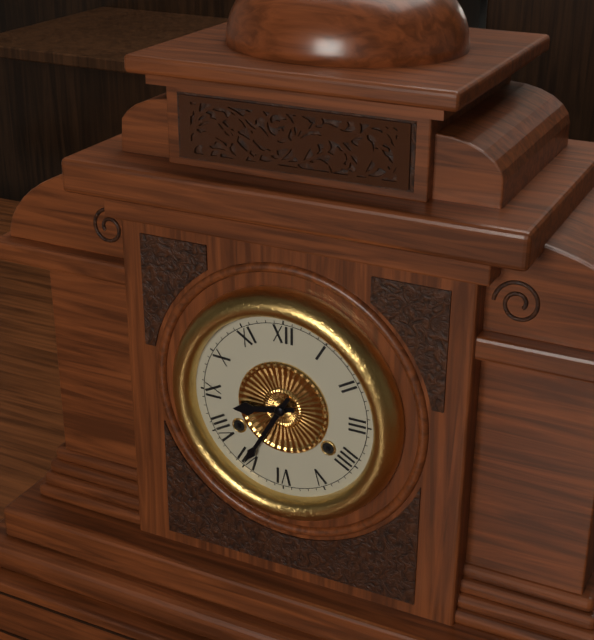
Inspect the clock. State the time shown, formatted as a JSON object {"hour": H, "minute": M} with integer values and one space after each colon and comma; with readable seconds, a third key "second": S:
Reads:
{"hour": 8, "minute": 35}
